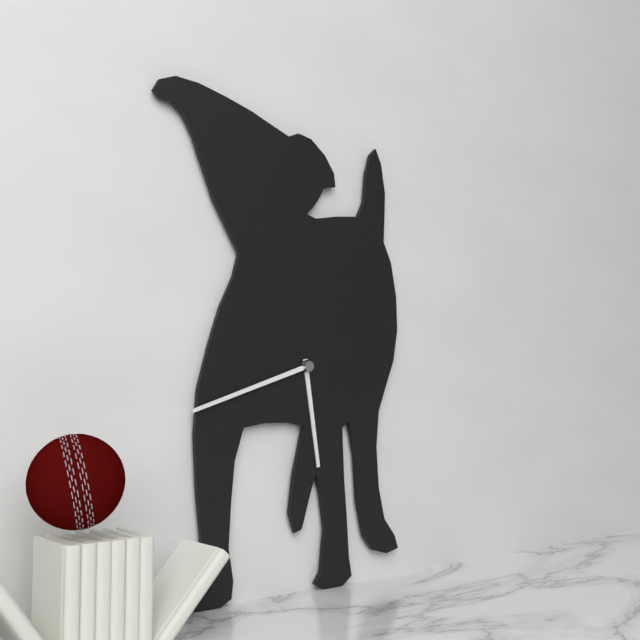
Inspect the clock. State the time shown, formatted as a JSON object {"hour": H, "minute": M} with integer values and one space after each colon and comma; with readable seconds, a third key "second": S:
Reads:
{"hour": 5, "minute": 42}
